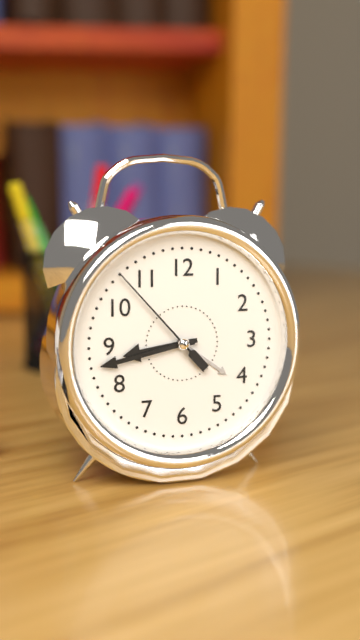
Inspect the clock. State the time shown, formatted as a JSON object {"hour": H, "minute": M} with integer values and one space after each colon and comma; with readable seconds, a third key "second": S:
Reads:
{"hour": 8, "minute": 43, "second": 53}
